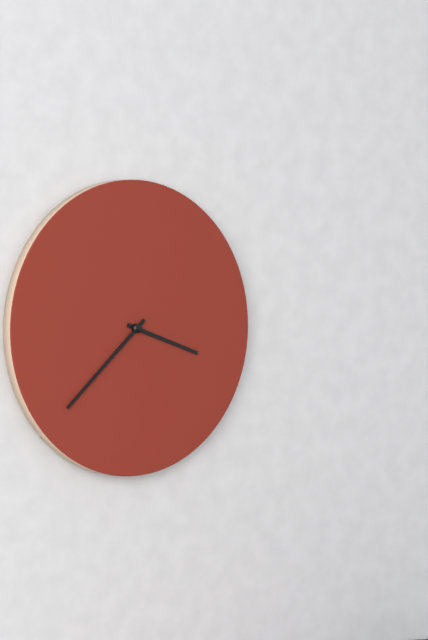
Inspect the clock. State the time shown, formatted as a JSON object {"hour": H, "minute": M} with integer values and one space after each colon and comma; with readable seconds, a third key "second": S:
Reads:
{"hour": 3, "minute": 38}
